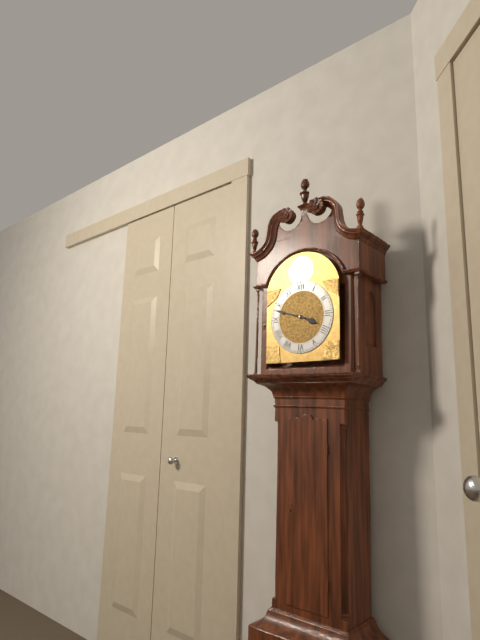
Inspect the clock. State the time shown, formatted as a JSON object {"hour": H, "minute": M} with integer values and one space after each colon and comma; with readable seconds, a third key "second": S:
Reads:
{"hour": 3, "minute": 48}
